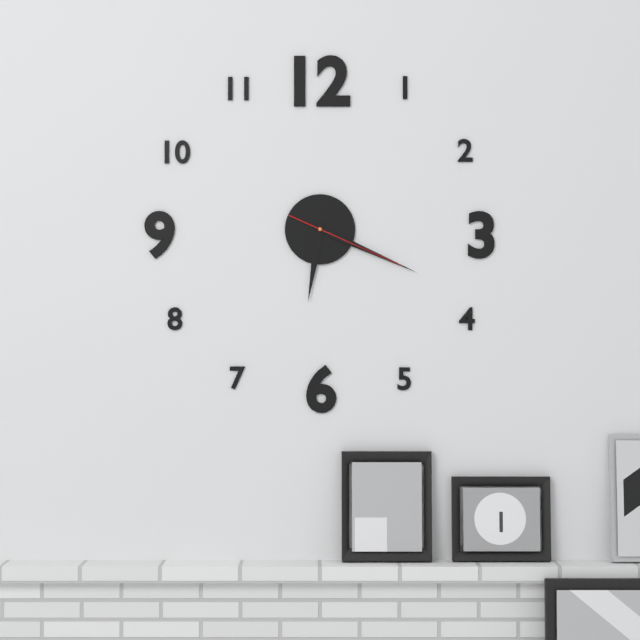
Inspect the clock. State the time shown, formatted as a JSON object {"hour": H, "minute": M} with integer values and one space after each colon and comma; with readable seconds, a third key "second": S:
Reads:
{"hour": 6, "minute": 19, "second": 19}
